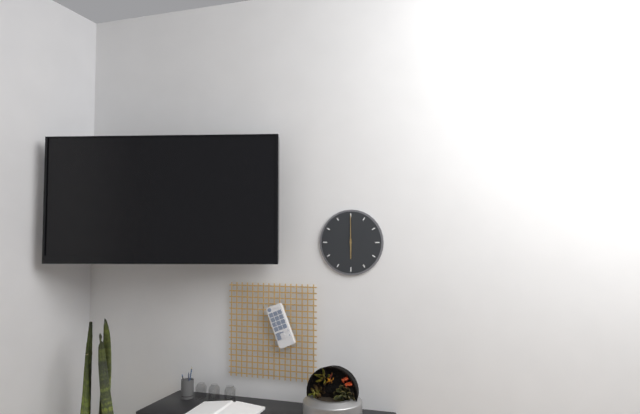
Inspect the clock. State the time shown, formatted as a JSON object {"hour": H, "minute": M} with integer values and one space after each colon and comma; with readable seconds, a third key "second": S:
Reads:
{"hour": 6, "minute": 0}
